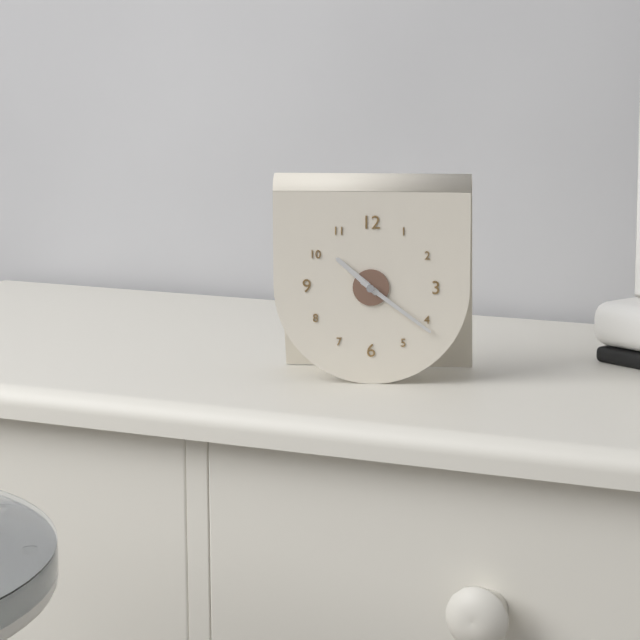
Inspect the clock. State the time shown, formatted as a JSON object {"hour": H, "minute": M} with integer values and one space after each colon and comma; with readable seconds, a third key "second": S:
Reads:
{"hour": 10, "minute": 21}
